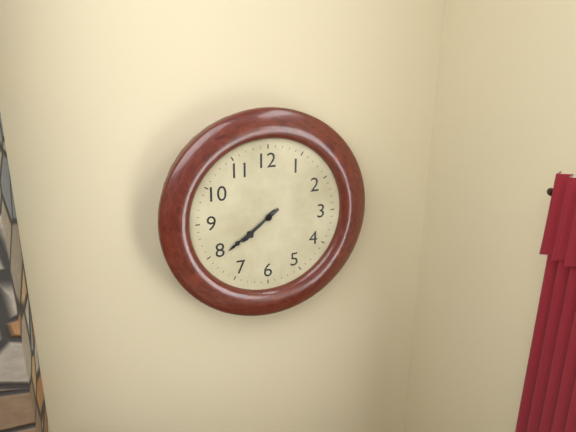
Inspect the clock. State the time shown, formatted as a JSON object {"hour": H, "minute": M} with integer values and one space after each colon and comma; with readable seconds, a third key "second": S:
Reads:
{"hour": 7, "minute": 39}
